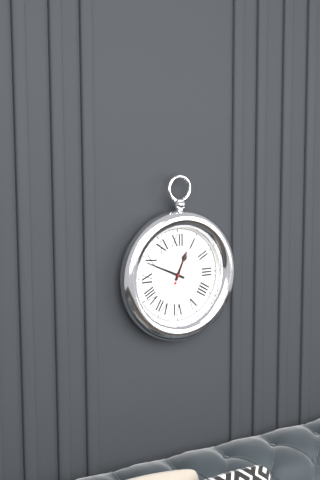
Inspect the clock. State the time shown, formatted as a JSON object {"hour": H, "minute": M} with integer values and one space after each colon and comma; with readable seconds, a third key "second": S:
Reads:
{"hour": 12, "minute": 49, "second": 4}
